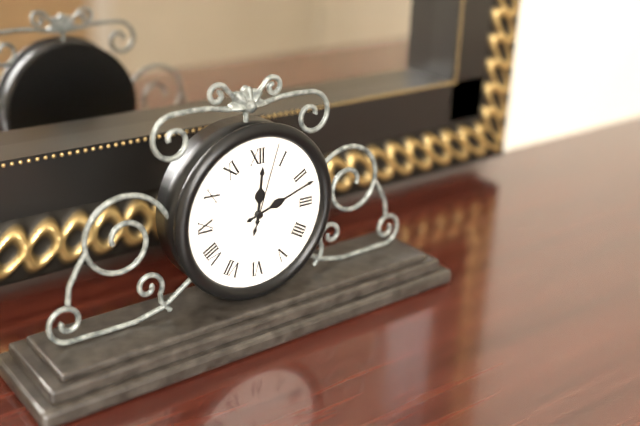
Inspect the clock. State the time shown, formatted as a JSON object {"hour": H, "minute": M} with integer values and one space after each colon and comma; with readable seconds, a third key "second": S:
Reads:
{"hour": 12, "minute": 12, "second": 3}
